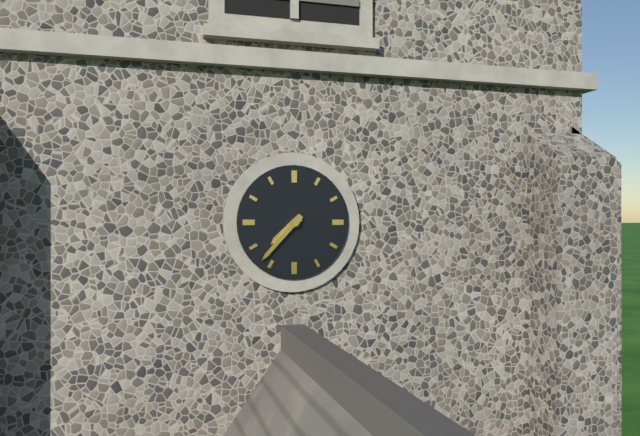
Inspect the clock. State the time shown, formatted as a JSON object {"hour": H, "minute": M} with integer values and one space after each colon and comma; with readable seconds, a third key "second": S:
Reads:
{"hour": 7, "minute": 37}
